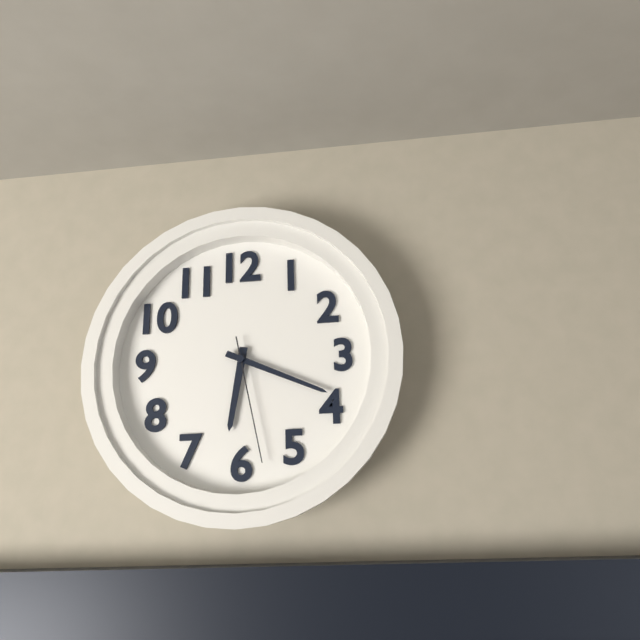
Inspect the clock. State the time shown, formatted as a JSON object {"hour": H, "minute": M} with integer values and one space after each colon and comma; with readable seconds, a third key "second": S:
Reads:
{"hour": 6, "minute": 19, "second": 28}
